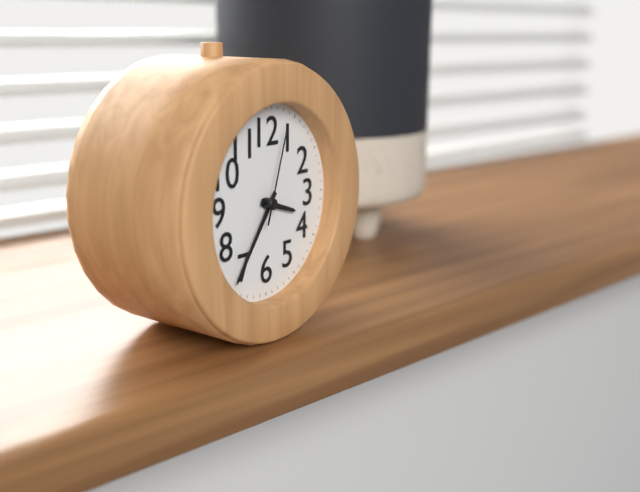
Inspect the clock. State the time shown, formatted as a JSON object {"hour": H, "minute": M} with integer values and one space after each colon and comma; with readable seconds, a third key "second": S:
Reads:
{"hour": 3, "minute": 36, "second": 3}
